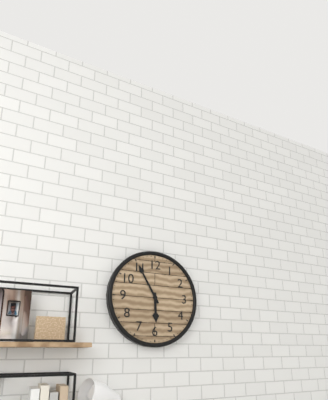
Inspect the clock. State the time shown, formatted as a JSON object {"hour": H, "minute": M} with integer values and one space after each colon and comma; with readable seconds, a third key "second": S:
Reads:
{"hour": 5, "minute": 55}
